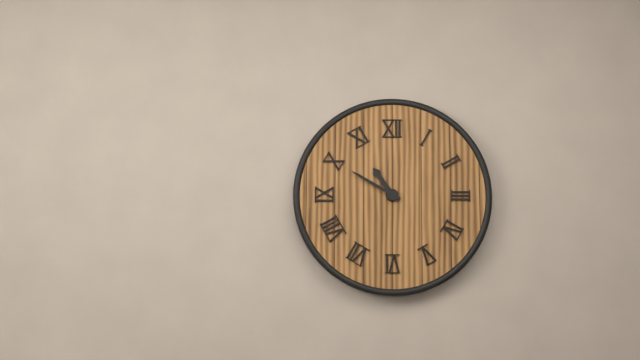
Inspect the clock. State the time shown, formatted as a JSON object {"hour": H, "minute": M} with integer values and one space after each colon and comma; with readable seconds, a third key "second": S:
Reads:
{"hour": 10, "minute": 50}
